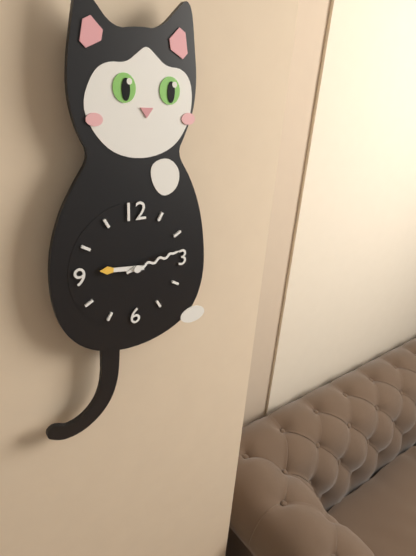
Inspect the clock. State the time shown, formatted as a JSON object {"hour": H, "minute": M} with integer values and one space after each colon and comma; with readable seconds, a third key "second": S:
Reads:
{"hour": 9, "minute": 13}
